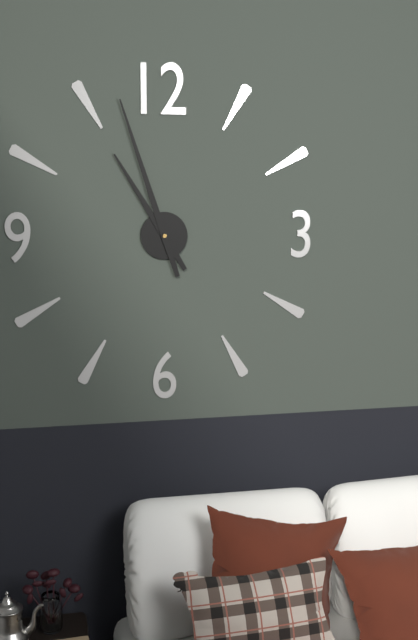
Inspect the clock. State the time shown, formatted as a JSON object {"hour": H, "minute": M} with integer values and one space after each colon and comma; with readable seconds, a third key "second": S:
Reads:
{"hour": 10, "minute": 57}
